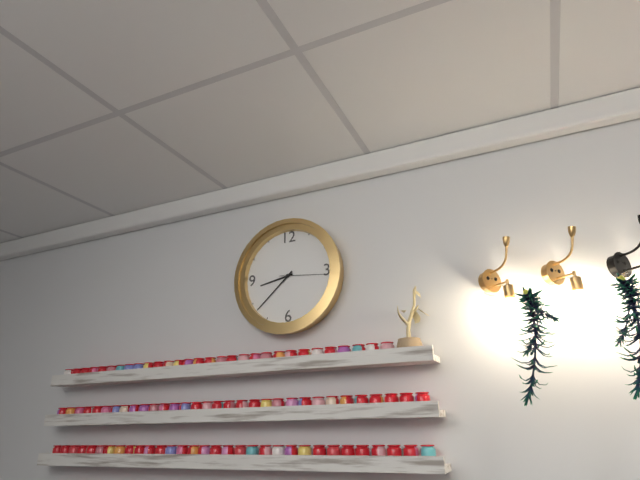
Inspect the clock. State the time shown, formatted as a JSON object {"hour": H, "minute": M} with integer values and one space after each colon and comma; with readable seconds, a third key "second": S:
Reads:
{"hour": 8, "minute": 38, "second": 16}
